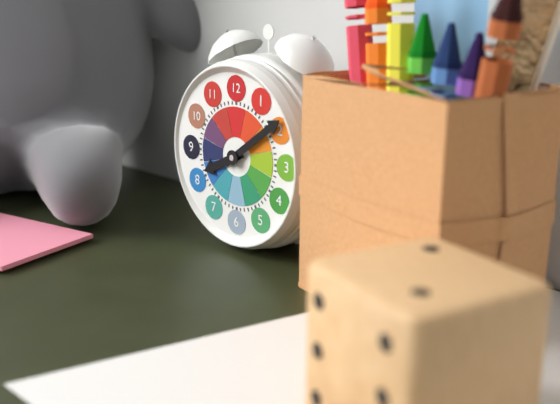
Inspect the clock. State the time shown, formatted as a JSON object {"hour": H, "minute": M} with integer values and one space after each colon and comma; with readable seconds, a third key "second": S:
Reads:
{"hour": 8, "minute": 9}
